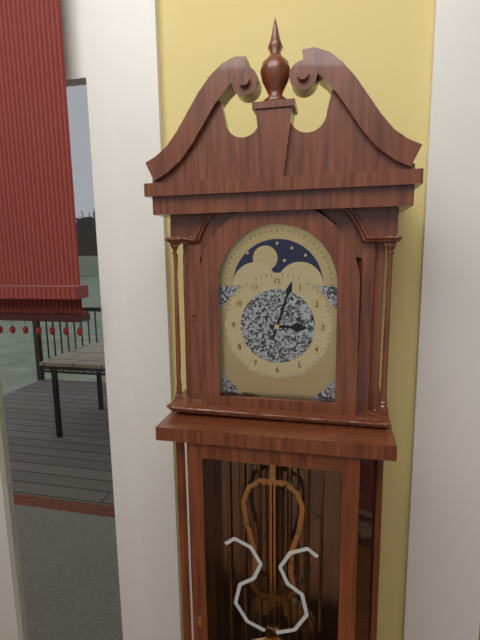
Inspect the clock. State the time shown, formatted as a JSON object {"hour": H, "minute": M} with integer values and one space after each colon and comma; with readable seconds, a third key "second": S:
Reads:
{"hour": 3, "minute": 3}
